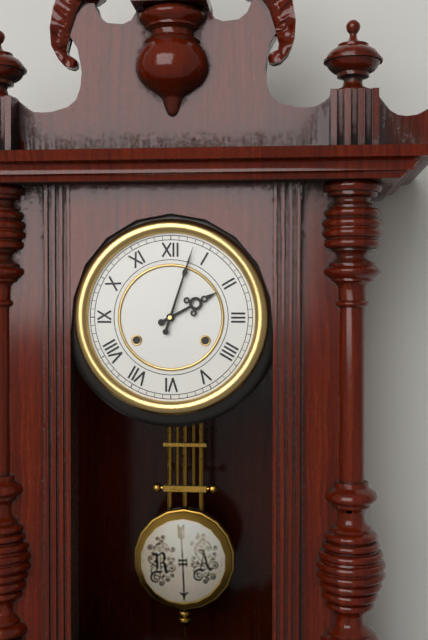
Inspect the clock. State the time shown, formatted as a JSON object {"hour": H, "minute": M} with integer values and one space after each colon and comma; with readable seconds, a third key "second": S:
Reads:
{"hour": 2, "minute": 3}
